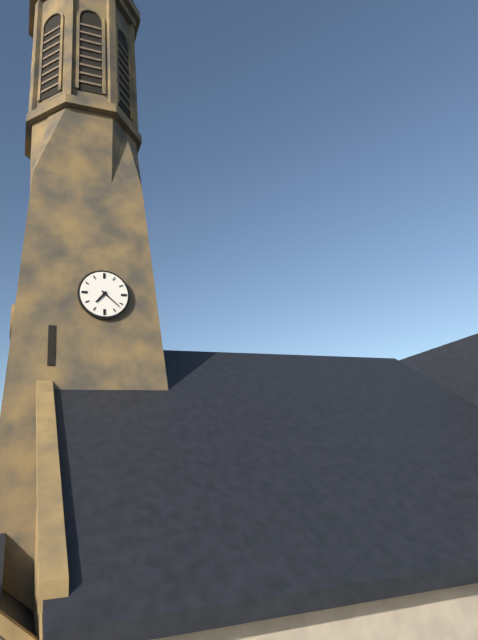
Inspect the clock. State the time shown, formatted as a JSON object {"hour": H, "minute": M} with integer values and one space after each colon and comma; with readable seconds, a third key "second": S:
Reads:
{"hour": 7, "minute": 22}
